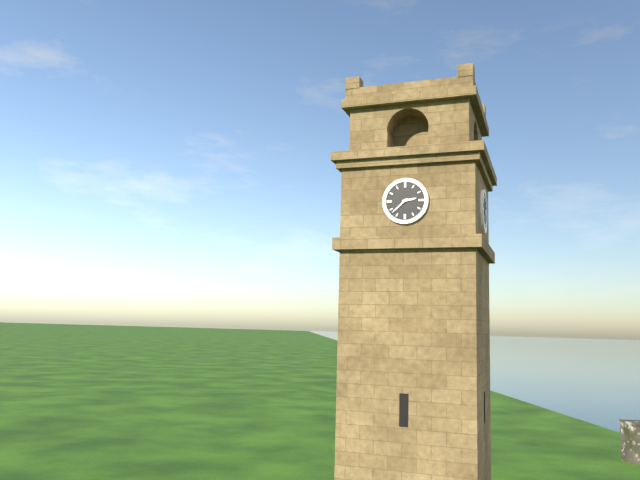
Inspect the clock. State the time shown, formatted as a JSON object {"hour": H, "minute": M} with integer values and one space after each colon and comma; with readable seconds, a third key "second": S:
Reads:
{"hour": 2, "minute": 38}
